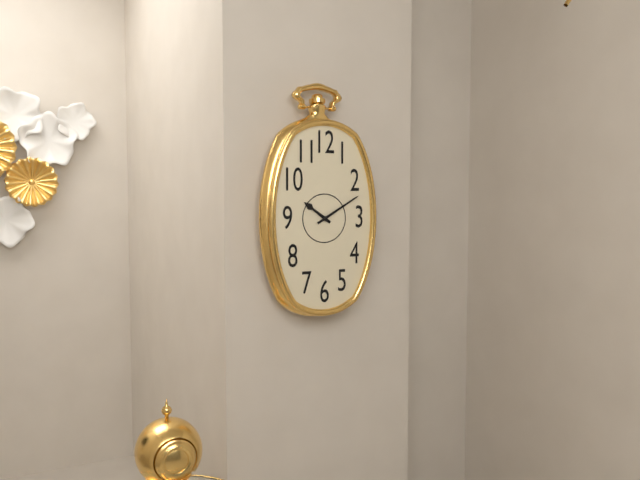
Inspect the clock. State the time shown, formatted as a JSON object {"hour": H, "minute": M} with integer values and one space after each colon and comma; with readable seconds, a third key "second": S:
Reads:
{"hour": 10, "minute": 10}
